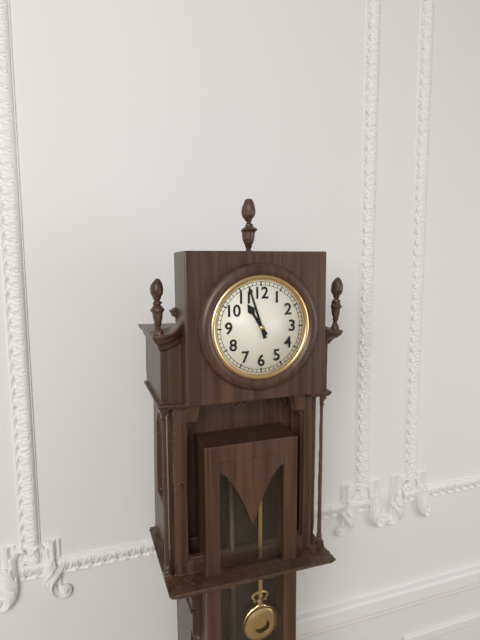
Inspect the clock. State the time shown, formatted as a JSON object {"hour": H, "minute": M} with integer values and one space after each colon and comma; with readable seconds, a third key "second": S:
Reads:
{"hour": 10, "minute": 57}
